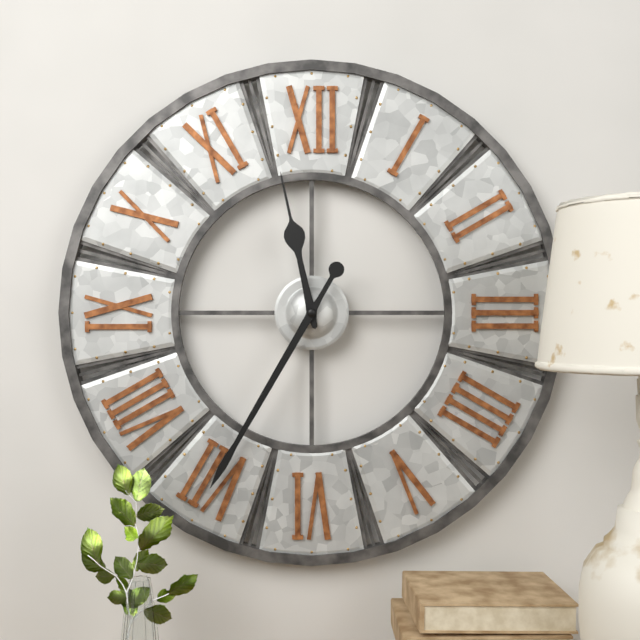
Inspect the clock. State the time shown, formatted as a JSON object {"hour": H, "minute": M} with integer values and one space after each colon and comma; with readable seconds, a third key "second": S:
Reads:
{"hour": 11, "minute": 35}
